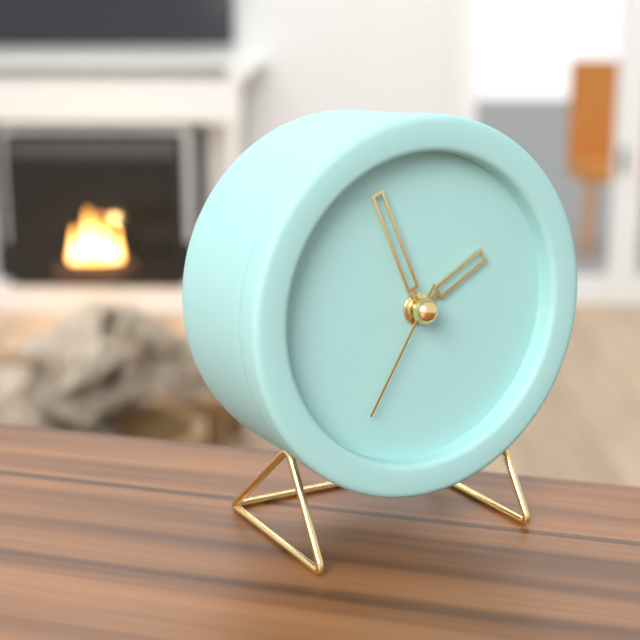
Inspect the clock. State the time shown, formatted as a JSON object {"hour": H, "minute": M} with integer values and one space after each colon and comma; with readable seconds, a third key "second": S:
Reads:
{"hour": 1, "minute": 56, "second": 35}
